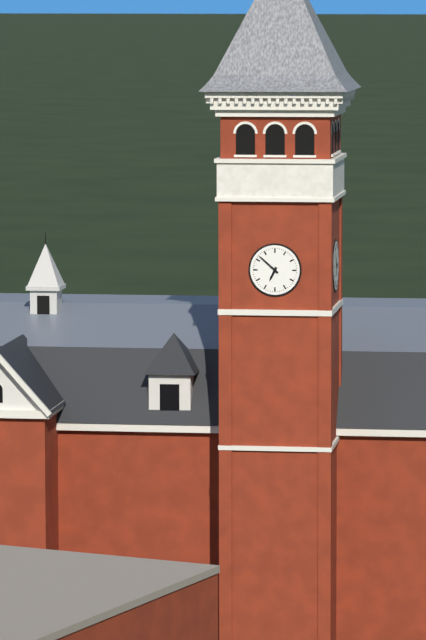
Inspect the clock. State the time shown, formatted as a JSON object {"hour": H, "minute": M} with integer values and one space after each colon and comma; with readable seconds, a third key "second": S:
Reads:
{"hour": 6, "minute": 52}
